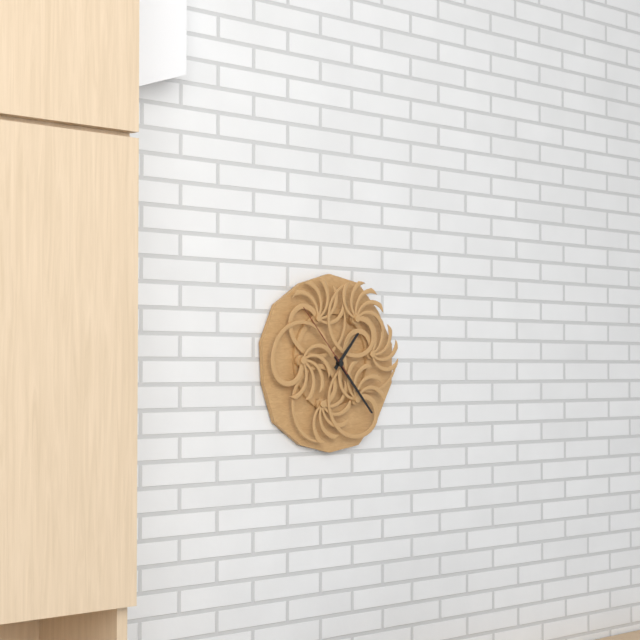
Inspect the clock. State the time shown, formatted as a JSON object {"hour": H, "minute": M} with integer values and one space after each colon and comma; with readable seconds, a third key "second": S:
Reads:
{"hour": 1, "minute": 23, "second": 53}
